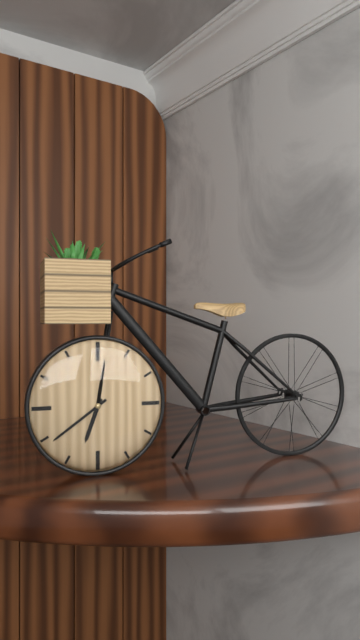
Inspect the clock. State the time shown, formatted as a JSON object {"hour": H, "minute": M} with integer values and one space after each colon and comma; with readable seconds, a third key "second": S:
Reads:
{"hour": 6, "minute": 39}
